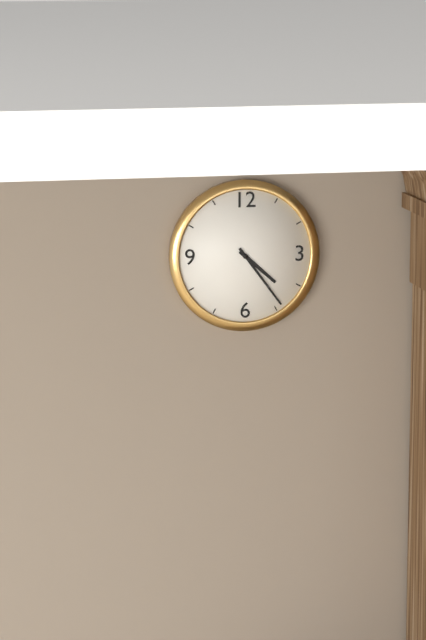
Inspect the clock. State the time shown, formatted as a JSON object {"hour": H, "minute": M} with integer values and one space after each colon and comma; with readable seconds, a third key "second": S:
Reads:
{"hour": 4, "minute": 24}
